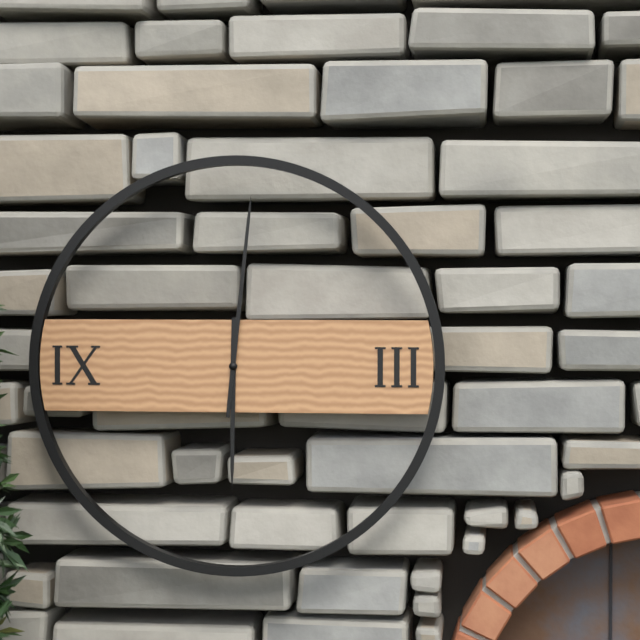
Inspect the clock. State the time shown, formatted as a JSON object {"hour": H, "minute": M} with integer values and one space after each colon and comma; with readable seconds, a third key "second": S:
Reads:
{"hour": 6, "minute": 1}
